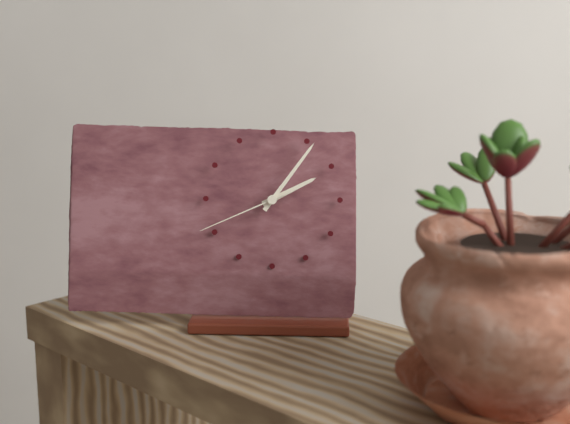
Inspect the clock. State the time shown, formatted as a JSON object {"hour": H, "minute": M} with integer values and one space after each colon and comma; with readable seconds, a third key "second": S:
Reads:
{"hour": 2, "minute": 6, "second": 41}
